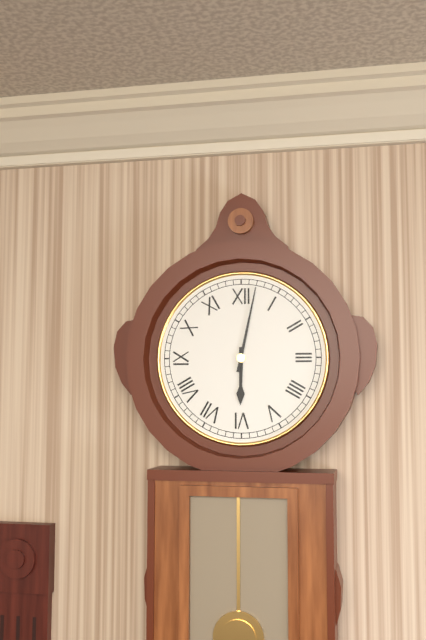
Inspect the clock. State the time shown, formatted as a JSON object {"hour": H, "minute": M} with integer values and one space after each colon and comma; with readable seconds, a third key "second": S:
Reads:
{"hour": 6, "minute": 2}
